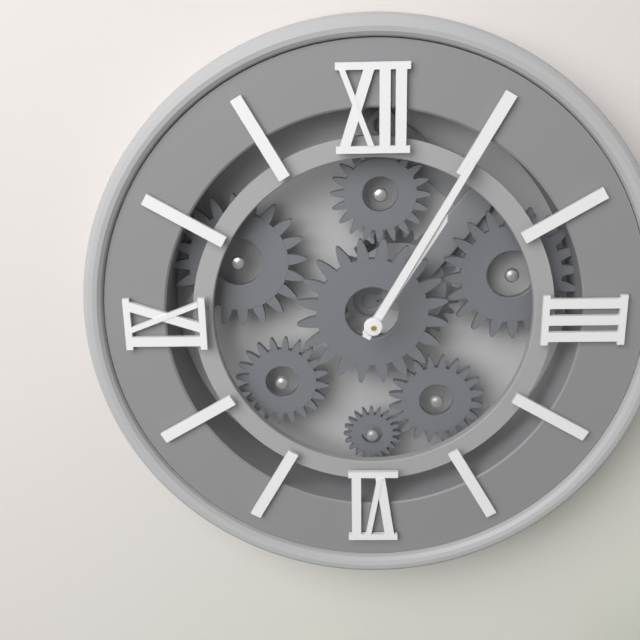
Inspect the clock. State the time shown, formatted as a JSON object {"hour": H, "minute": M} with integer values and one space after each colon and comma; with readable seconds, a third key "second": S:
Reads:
{"hour": 1, "minute": 5}
